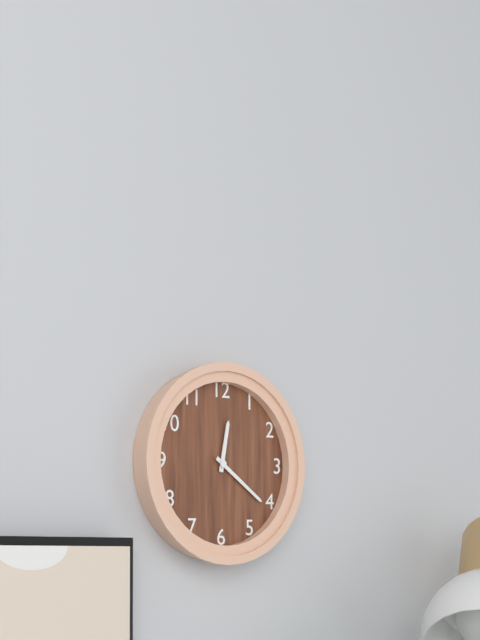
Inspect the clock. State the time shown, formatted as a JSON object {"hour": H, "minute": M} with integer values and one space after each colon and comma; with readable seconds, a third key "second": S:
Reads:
{"hour": 12, "minute": 21}
